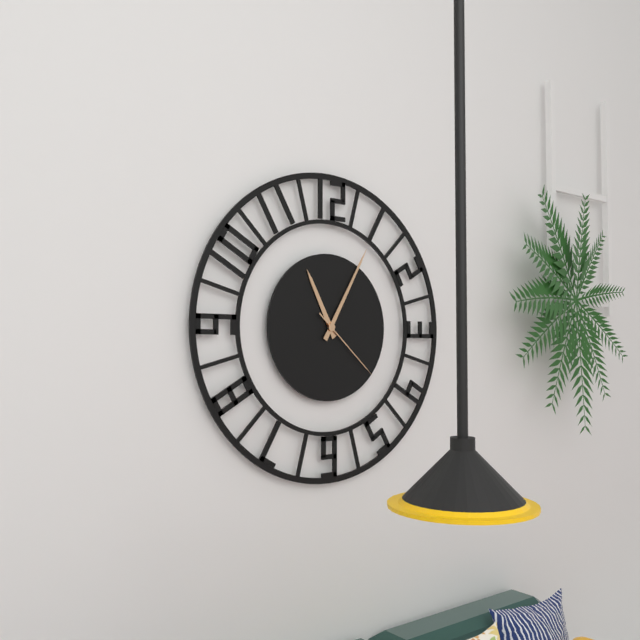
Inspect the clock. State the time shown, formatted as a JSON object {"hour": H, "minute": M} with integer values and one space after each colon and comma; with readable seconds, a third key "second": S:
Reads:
{"hour": 11, "minute": 5, "second": 22}
